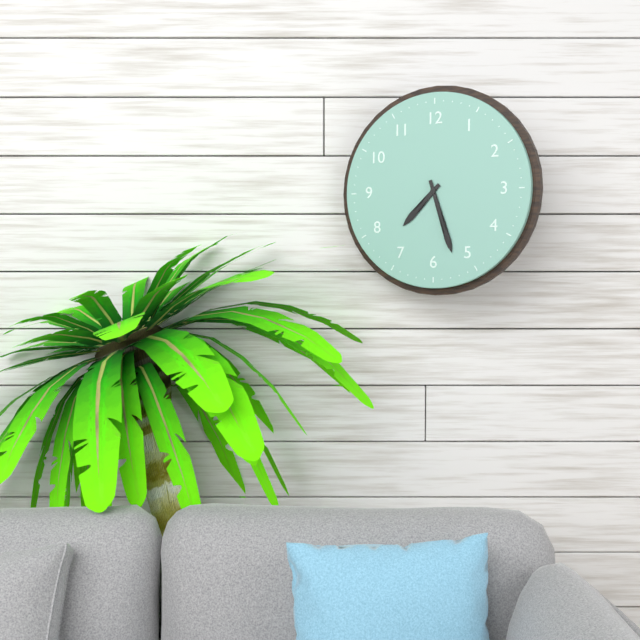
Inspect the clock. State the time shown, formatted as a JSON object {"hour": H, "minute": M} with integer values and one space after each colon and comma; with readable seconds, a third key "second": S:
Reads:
{"hour": 7, "minute": 27}
